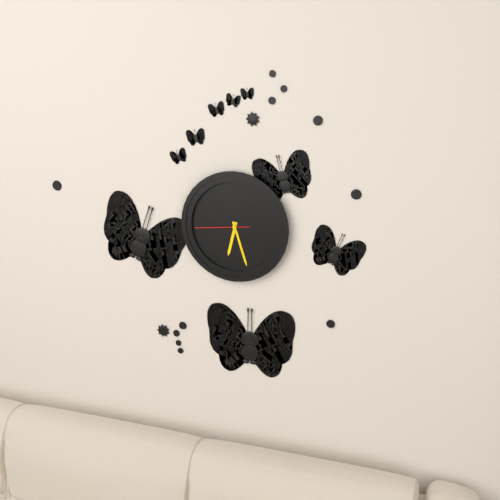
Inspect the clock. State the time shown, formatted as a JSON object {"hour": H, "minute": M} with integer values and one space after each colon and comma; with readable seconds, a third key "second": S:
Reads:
{"hour": 6, "minute": 27, "second": 44}
